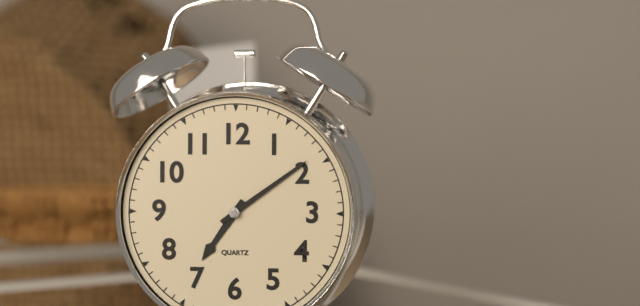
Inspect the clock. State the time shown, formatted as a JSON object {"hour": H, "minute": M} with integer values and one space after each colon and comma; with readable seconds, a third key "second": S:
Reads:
{"hour": 7, "minute": 9}
